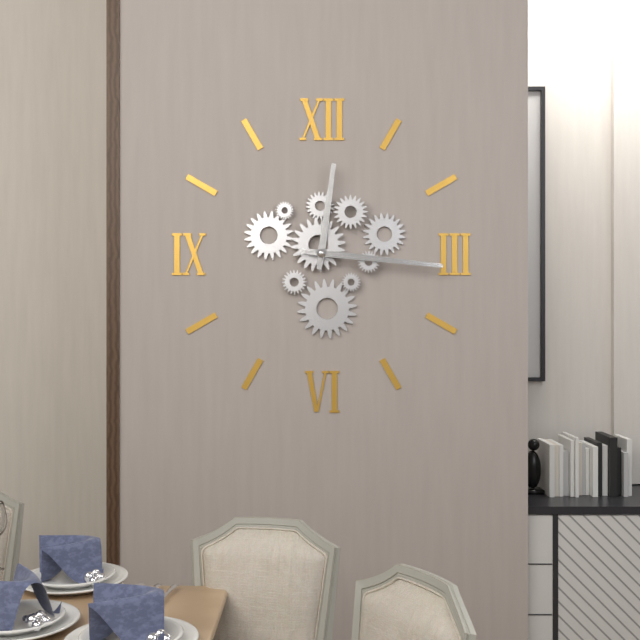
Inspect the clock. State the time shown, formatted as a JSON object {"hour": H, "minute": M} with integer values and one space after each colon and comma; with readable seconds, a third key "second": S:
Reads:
{"hour": 12, "minute": 16}
